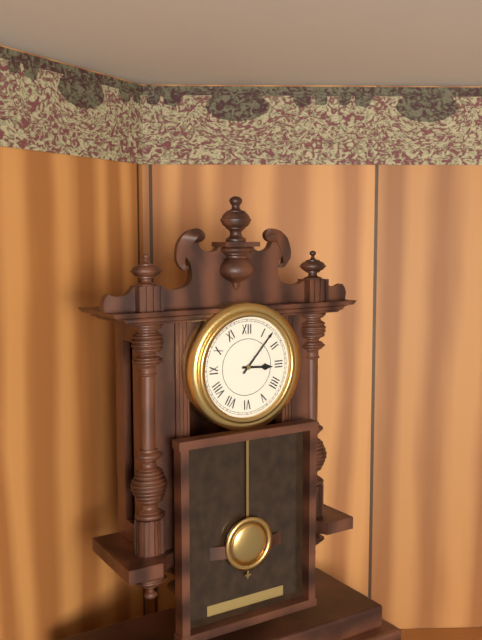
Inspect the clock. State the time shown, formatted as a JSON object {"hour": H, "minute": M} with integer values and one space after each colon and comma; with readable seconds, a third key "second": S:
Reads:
{"hour": 3, "minute": 7}
